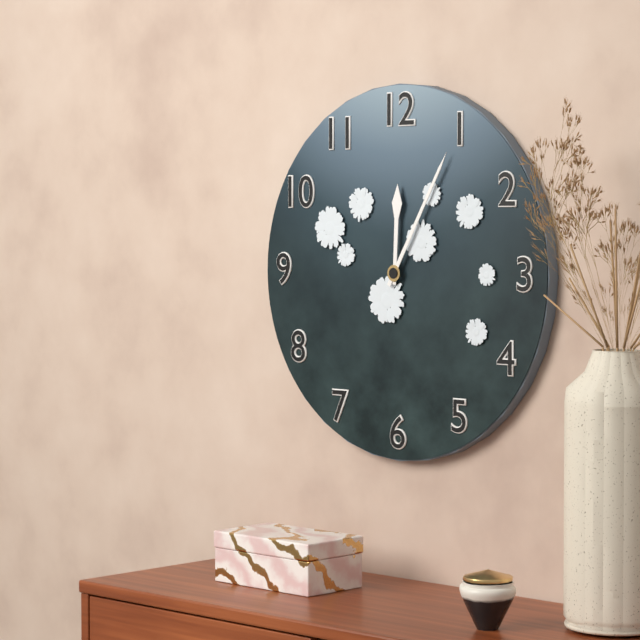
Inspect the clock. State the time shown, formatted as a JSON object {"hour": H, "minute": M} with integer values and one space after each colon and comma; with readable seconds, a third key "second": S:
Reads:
{"hour": 12, "minute": 5}
